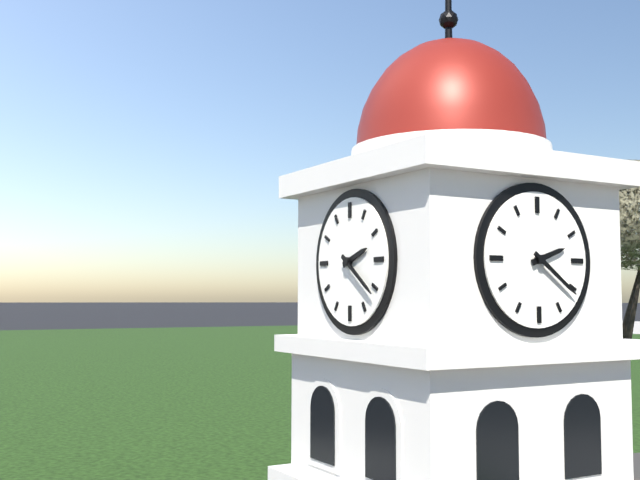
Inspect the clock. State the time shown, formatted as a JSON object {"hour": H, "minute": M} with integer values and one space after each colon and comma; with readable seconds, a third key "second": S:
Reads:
{"hour": 2, "minute": 21}
